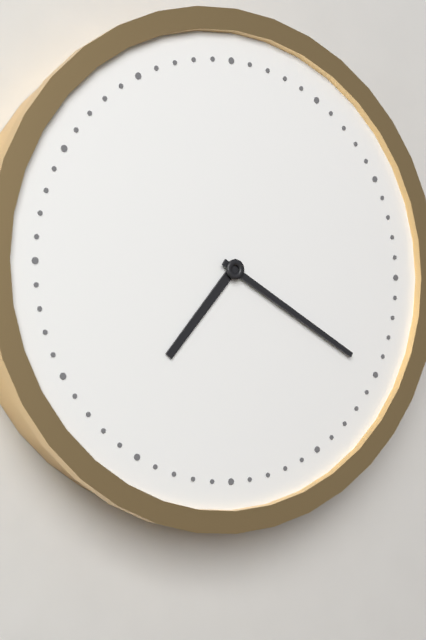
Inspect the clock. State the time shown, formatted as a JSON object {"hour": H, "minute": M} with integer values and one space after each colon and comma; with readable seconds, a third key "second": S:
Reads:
{"hour": 7, "minute": 20}
